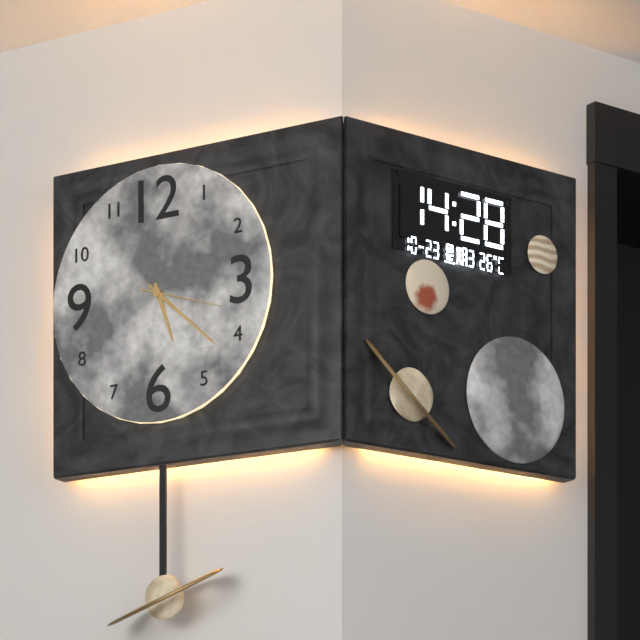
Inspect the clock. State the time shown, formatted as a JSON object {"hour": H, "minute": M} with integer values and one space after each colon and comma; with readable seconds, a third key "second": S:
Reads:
{"hour": 5, "minute": 22, "second": 18}
